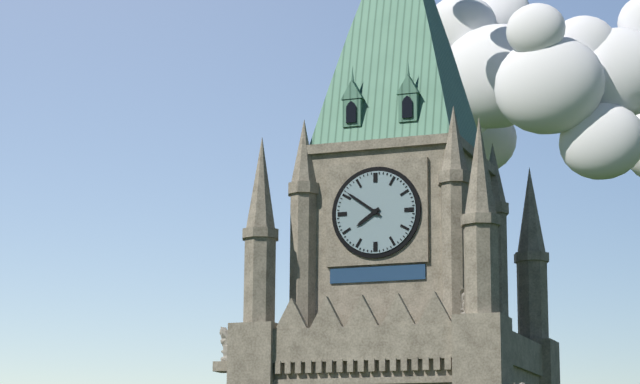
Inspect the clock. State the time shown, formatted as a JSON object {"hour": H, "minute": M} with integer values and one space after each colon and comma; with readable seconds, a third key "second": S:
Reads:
{"hour": 7, "minute": 51}
